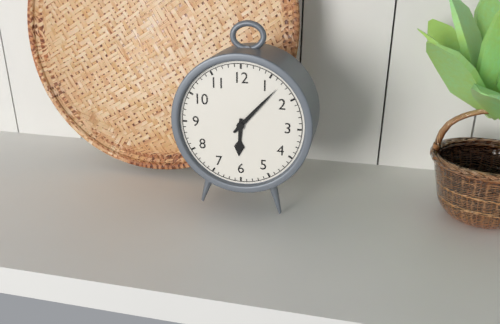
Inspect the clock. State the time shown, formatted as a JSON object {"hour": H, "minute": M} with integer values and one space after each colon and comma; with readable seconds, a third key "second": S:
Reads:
{"hour": 6, "minute": 7}
